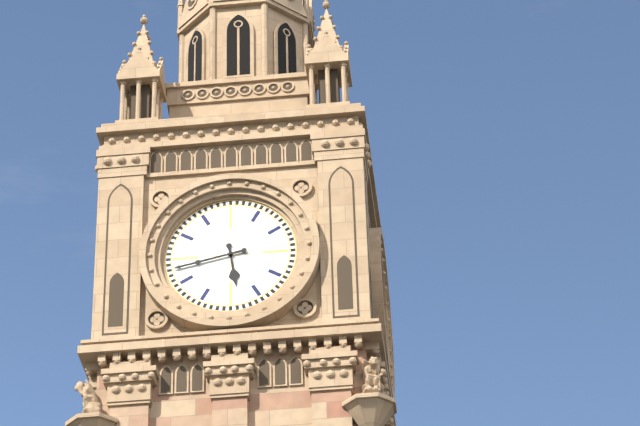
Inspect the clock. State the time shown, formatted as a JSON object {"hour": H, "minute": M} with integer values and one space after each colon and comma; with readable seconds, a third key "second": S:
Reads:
{"hour": 5, "minute": 43}
